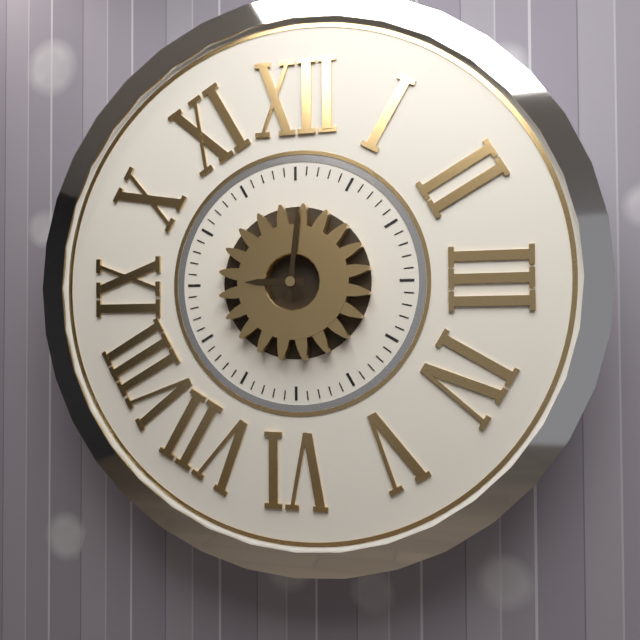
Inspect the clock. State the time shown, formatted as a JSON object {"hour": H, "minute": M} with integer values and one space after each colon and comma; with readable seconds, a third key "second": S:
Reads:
{"hour": 9, "minute": 1}
